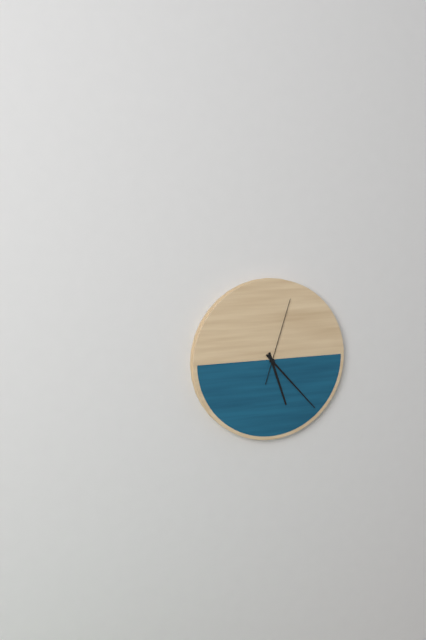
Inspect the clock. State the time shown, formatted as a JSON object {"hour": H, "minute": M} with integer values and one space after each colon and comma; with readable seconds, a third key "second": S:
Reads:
{"hour": 5, "minute": 23, "second": 3}
